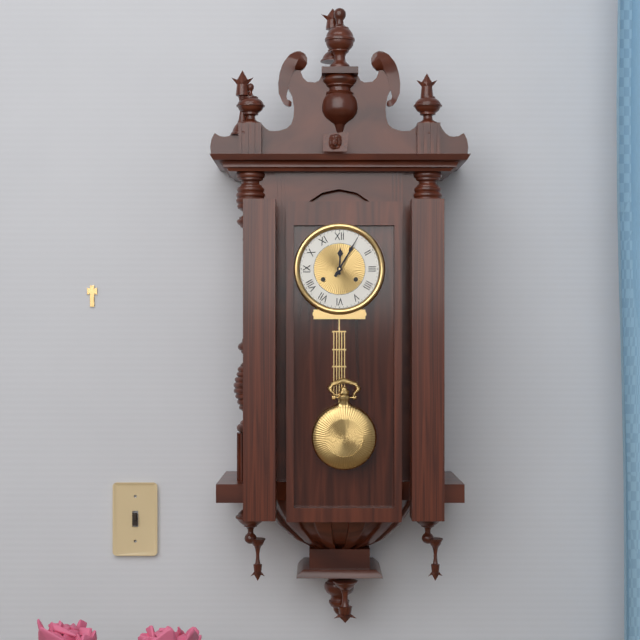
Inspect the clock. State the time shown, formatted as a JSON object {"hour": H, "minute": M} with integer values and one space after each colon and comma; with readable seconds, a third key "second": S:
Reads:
{"hour": 12, "minute": 5}
